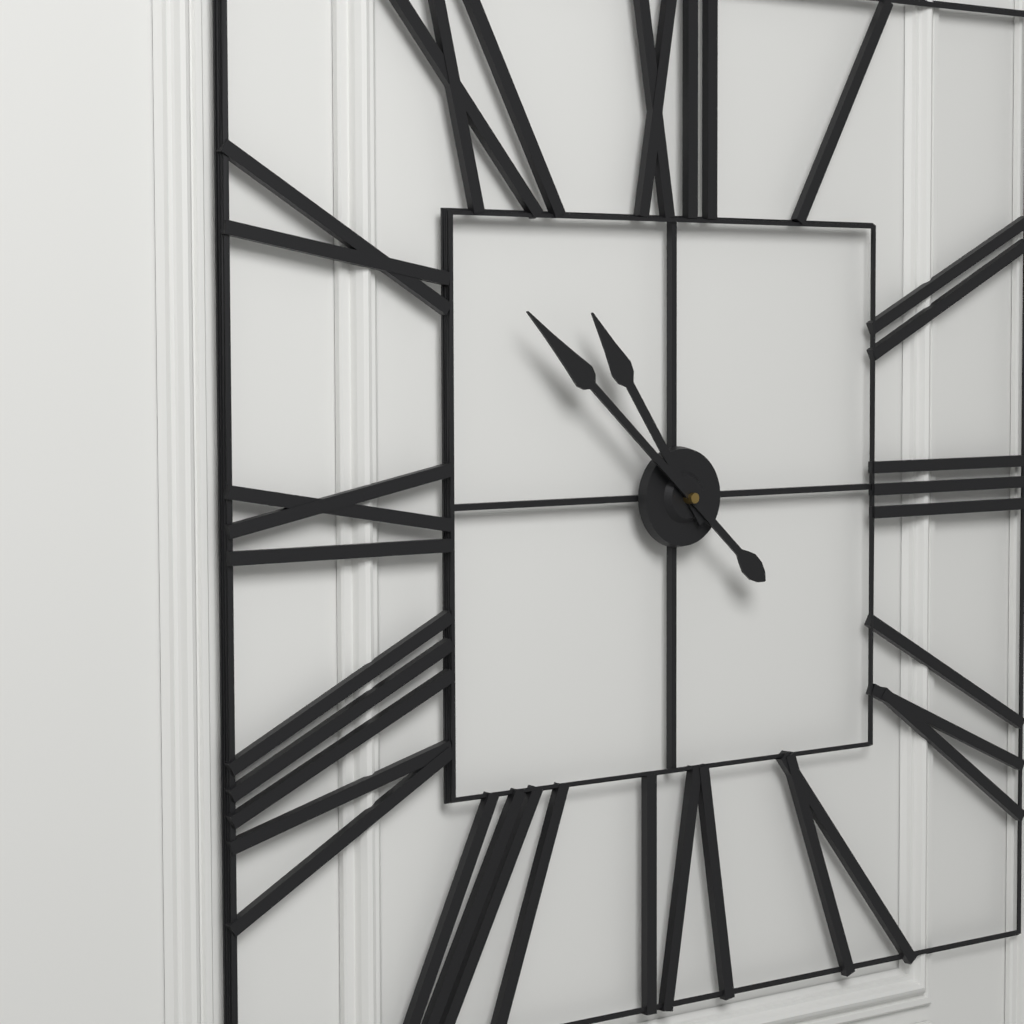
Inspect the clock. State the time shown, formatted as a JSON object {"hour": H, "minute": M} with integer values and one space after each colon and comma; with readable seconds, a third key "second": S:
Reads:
{"hour": 10, "minute": 52}
